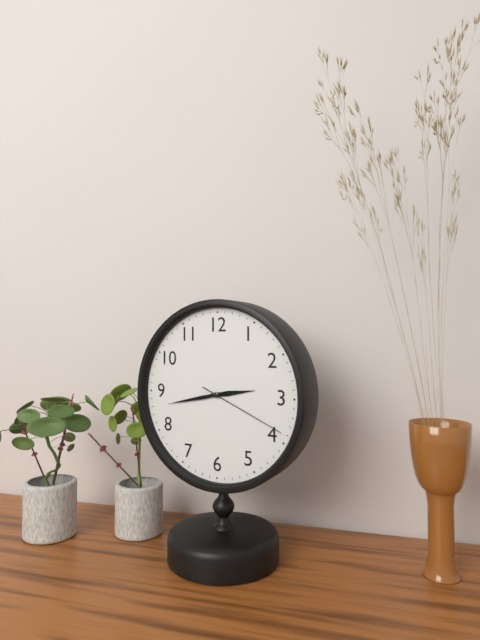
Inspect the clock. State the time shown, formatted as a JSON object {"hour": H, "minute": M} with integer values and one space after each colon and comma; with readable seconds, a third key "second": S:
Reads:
{"hour": 2, "minute": 43, "second": 19}
